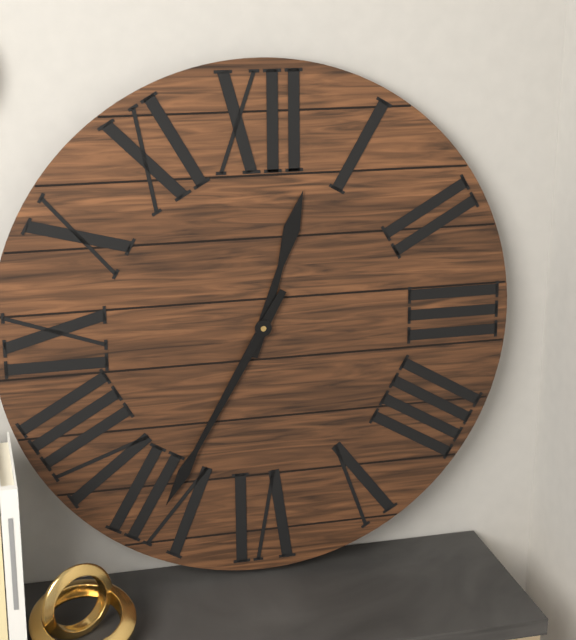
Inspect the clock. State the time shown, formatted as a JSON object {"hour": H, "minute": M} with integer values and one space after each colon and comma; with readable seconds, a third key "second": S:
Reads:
{"hour": 12, "minute": 35}
